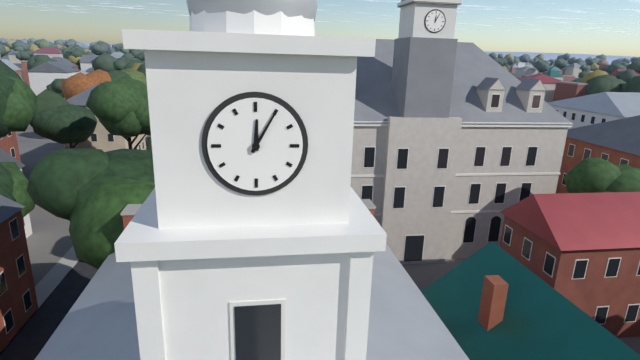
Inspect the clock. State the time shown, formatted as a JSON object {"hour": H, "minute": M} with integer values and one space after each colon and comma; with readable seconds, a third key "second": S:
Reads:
{"hour": 12, "minute": 5}
